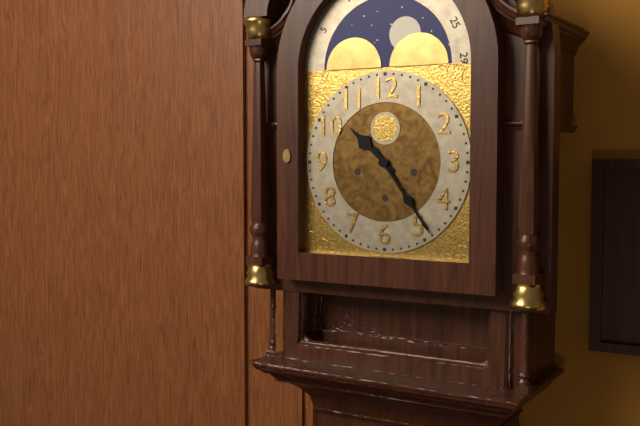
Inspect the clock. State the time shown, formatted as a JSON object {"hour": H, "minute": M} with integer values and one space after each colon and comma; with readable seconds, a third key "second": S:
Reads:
{"hour": 10, "minute": 24}
